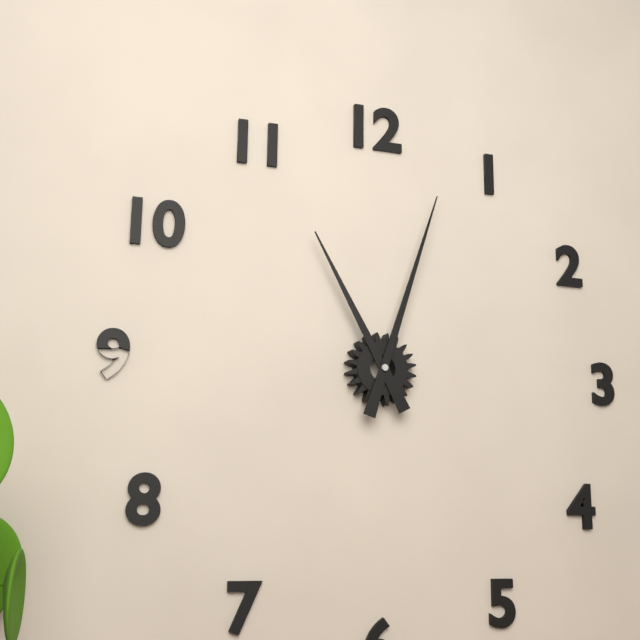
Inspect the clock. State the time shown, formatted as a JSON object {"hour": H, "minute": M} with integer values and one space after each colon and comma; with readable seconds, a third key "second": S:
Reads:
{"hour": 11, "minute": 3}
